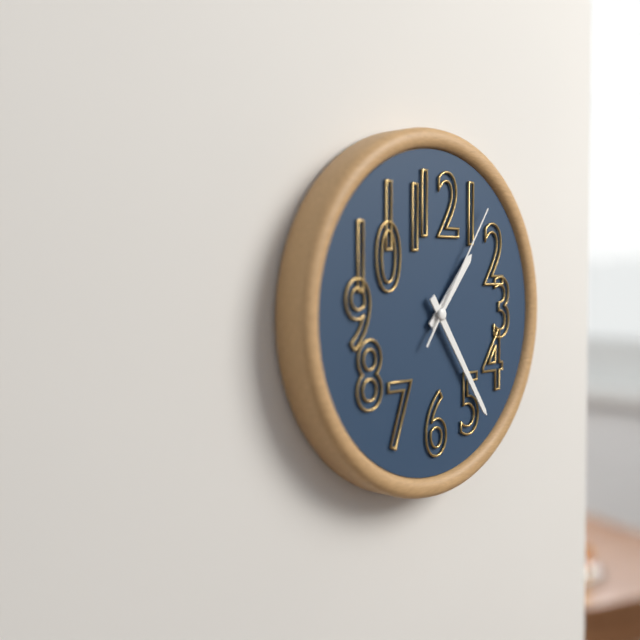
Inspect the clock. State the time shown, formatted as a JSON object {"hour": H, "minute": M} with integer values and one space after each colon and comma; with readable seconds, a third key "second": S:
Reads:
{"hour": 1, "minute": 24, "second": 6}
